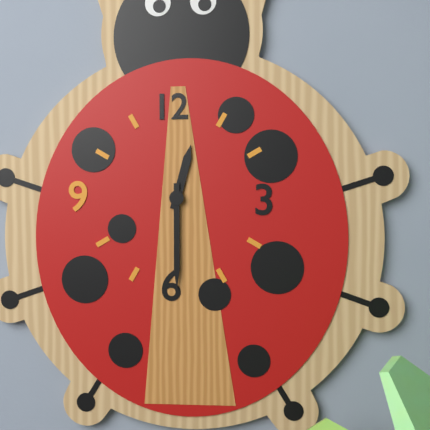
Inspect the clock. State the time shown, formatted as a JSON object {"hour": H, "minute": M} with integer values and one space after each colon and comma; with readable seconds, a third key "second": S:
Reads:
{"hour": 12, "minute": 30}
